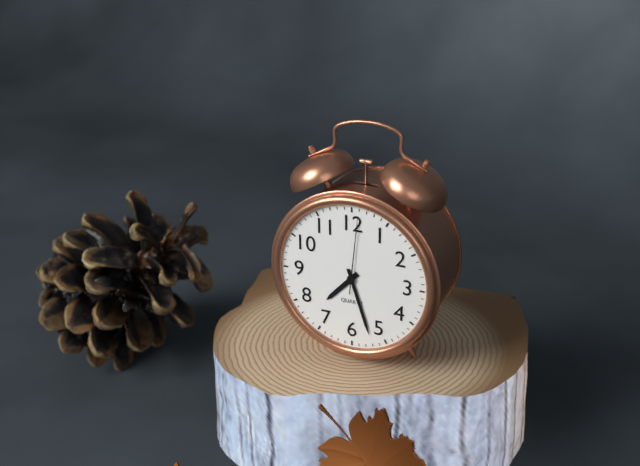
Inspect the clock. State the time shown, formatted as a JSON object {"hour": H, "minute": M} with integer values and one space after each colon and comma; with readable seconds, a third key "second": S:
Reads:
{"hour": 7, "minute": 27, "second": 1}
